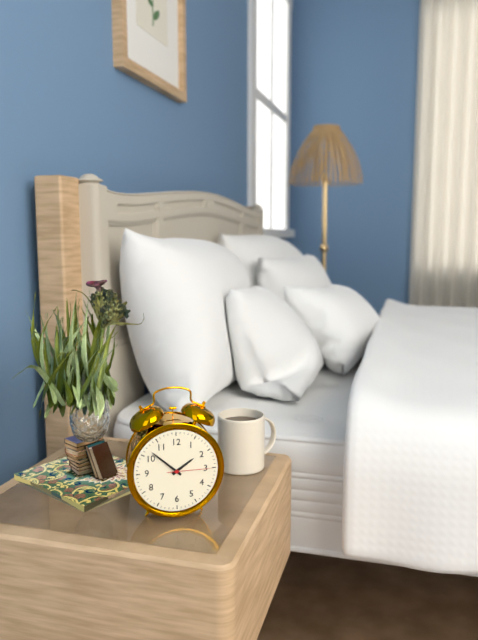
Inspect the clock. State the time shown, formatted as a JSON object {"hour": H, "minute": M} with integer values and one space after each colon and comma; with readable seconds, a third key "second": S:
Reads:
{"hour": 1, "minute": 52}
